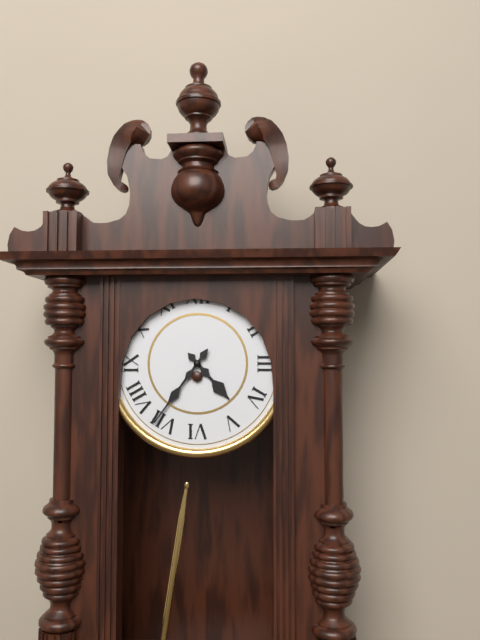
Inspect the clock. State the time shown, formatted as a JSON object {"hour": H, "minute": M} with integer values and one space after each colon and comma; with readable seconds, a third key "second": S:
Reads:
{"hour": 4, "minute": 36}
